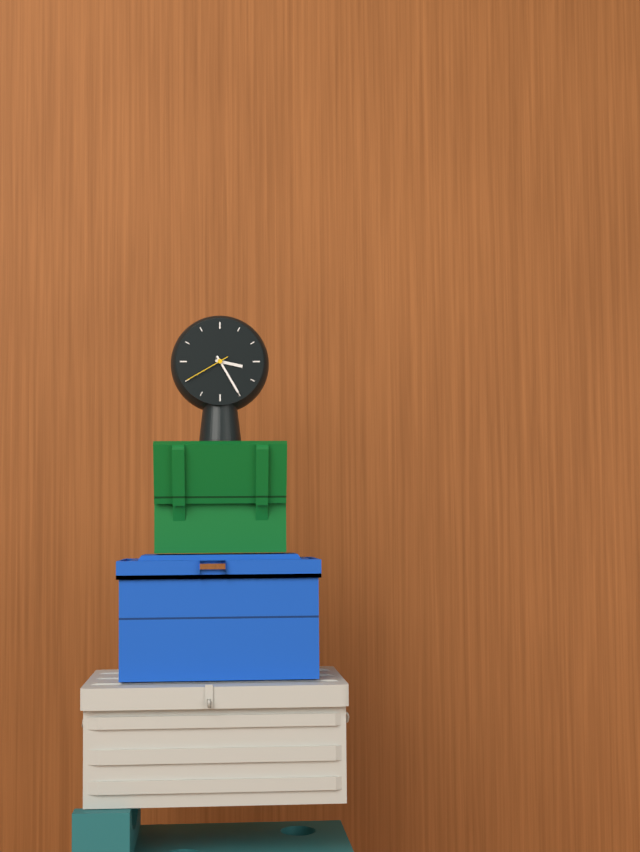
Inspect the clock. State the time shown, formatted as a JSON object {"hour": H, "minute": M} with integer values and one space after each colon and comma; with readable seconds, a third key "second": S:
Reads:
{"hour": 3, "minute": 25}
